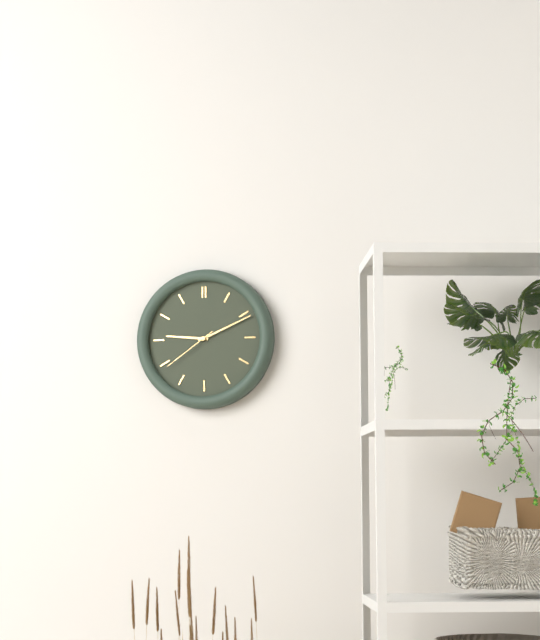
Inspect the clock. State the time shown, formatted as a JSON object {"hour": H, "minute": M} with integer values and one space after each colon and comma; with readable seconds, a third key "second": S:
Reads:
{"hour": 9, "minute": 11, "second": 39}
